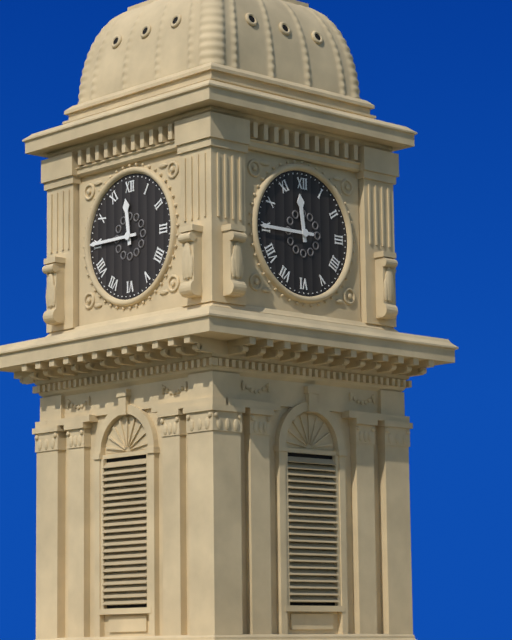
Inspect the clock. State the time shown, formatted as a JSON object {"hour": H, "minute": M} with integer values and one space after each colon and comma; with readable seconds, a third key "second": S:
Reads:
{"hour": 11, "minute": 45}
